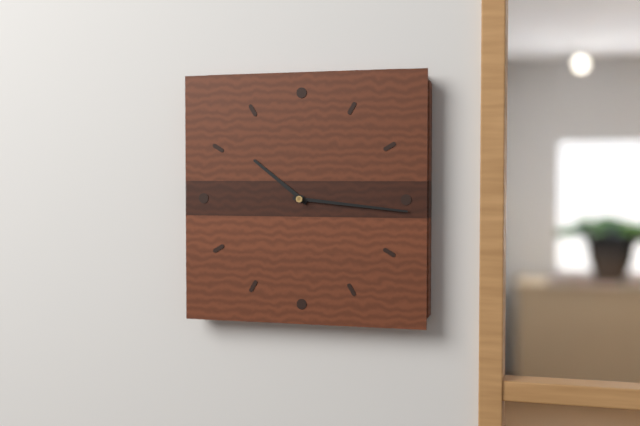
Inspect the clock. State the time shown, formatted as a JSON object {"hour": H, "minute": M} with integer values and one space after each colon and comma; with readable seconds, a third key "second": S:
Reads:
{"hour": 10, "minute": 16}
